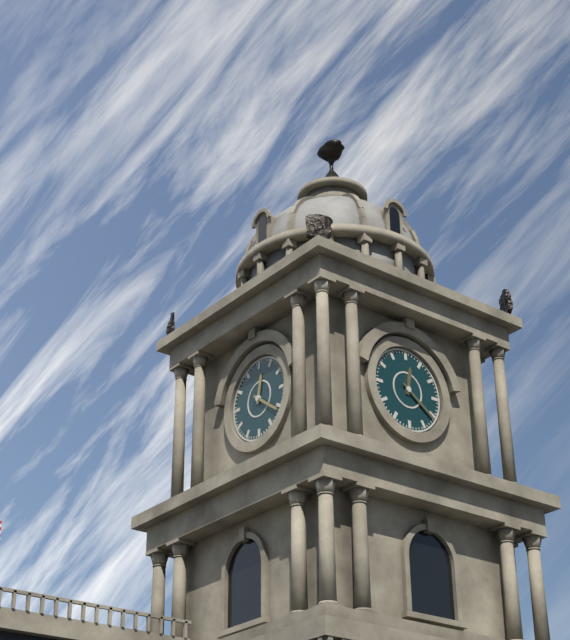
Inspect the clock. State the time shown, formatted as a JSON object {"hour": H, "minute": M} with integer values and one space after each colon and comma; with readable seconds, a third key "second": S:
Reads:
{"hour": 12, "minute": 21}
